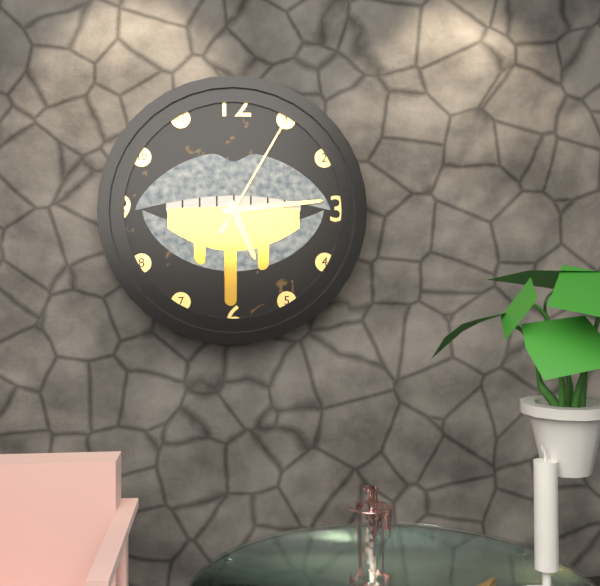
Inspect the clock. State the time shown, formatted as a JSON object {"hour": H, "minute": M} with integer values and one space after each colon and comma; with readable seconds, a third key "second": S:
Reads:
{"hour": 5, "minute": 14, "second": 5}
